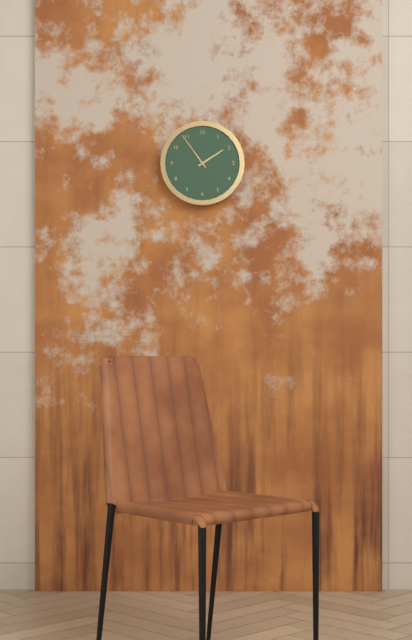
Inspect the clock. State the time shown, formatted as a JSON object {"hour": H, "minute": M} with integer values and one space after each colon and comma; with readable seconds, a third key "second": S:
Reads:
{"hour": 1, "minute": 54}
